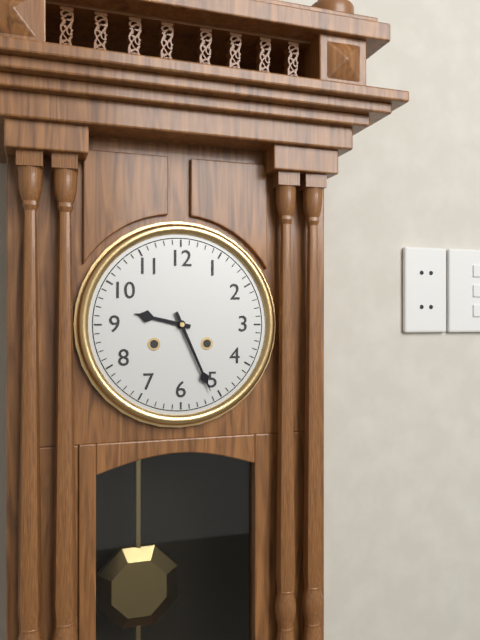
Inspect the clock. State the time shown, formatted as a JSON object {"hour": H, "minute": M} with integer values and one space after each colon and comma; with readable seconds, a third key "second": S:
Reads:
{"hour": 9, "minute": 26}
